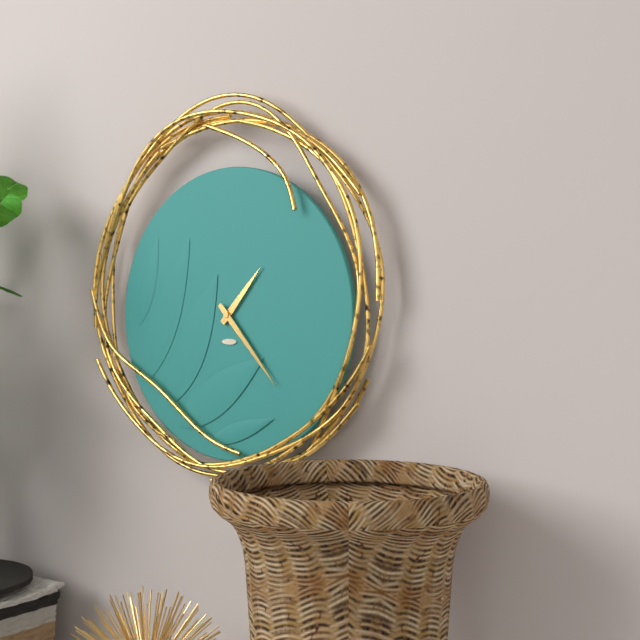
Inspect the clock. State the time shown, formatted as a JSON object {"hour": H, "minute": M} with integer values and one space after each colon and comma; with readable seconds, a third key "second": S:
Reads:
{"hour": 1, "minute": 23}
